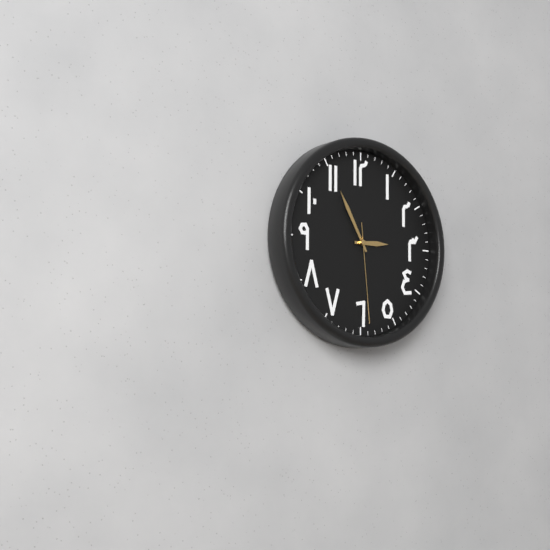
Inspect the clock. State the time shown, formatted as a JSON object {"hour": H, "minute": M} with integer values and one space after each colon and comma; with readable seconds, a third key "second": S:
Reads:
{"hour": 2, "minute": 55, "second": 29}
